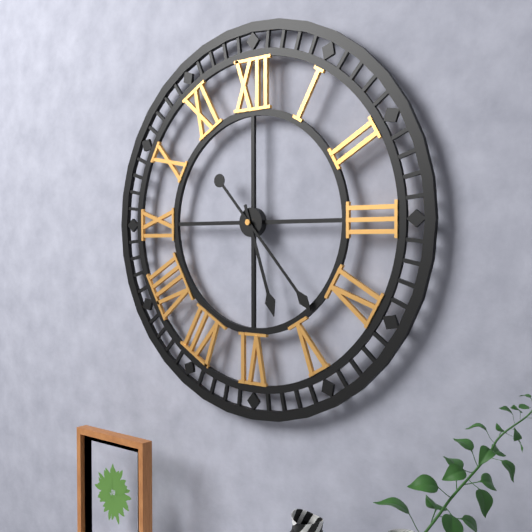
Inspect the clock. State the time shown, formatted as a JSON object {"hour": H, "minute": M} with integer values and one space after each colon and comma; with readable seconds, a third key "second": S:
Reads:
{"hour": 5, "minute": 23}
